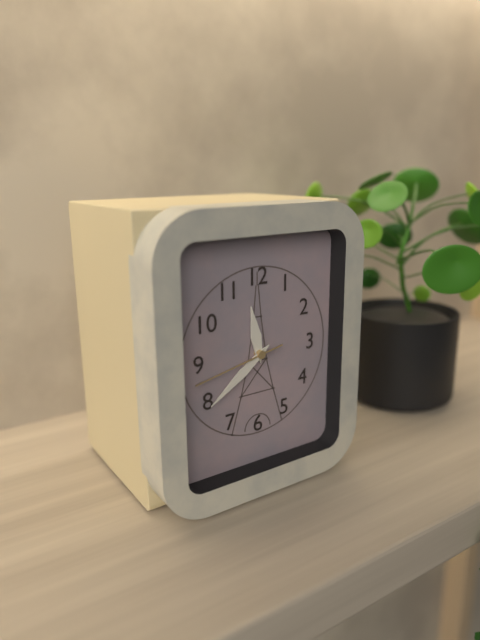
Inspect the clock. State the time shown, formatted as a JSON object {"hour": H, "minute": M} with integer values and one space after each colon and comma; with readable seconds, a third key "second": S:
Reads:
{"hour": 11, "minute": 39, "second": 43}
